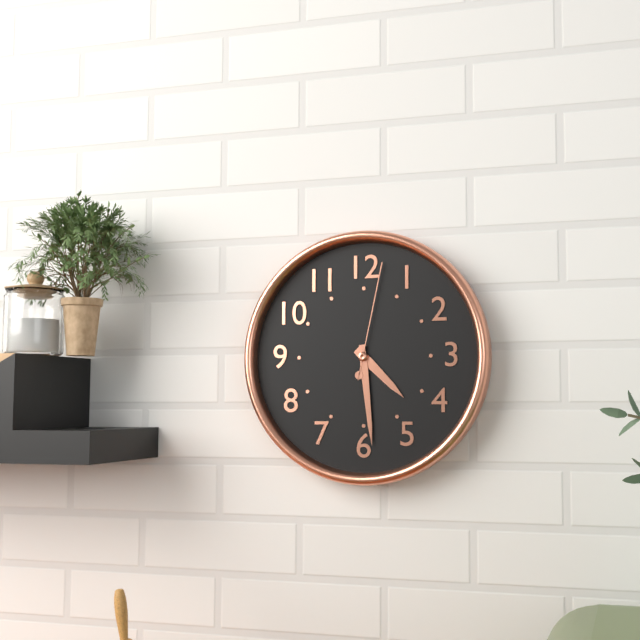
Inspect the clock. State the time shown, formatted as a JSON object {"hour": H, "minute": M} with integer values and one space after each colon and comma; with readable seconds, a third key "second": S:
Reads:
{"hour": 4, "minute": 29, "second": 2}
